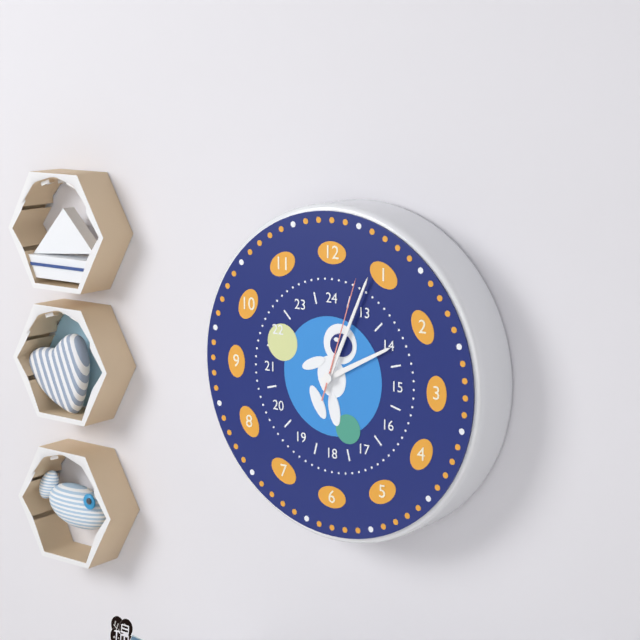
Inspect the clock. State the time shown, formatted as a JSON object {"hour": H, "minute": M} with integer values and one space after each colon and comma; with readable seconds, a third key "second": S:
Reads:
{"hour": 2, "minute": 4, "second": 3}
